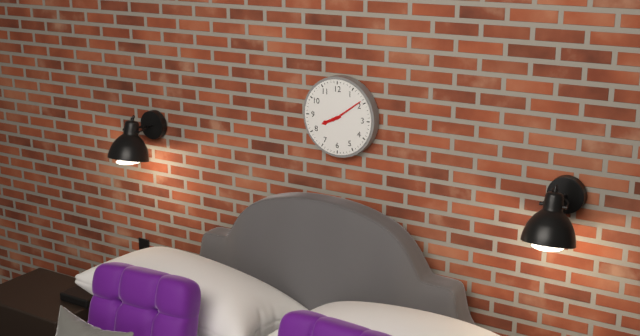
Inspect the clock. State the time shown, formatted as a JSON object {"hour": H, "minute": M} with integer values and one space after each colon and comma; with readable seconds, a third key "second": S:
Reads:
{"hour": 8, "minute": 9}
